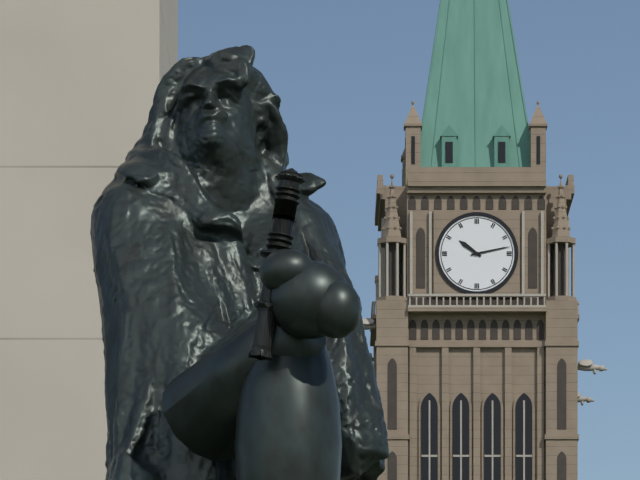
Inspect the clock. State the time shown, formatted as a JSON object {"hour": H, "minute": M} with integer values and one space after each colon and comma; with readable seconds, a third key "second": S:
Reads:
{"hour": 10, "minute": 13}
